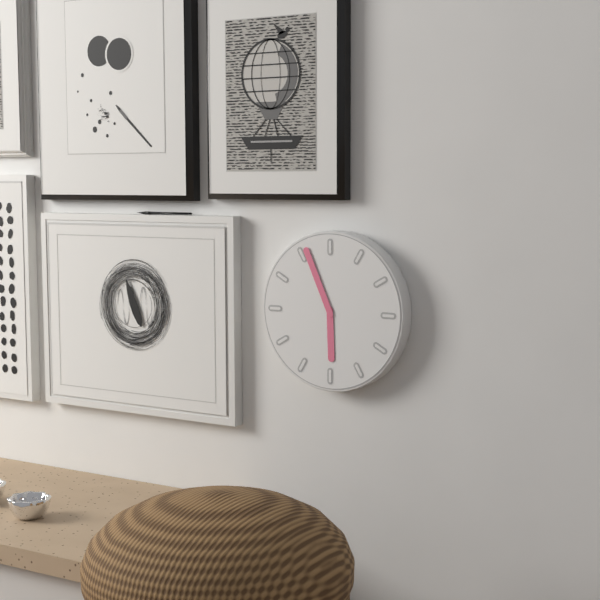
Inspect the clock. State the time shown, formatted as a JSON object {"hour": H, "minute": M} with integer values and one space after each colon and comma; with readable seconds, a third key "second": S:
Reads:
{"hour": 5, "minute": 56}
